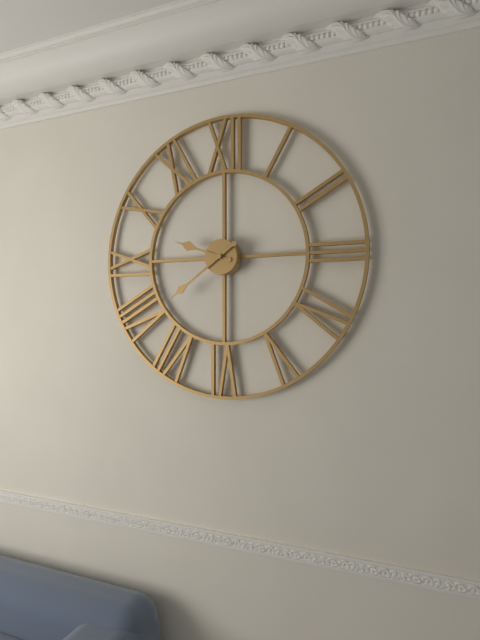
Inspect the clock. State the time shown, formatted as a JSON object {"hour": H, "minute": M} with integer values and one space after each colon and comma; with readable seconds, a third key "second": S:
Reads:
{"hour": 9, "minute": 39}
